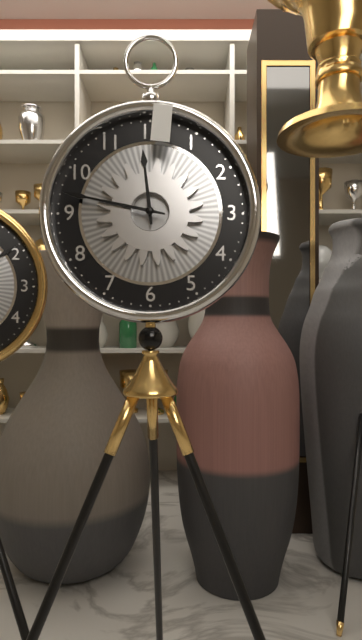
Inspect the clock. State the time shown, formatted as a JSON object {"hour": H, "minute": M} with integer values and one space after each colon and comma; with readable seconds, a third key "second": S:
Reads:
{"hour": 11, "minute": 47}
